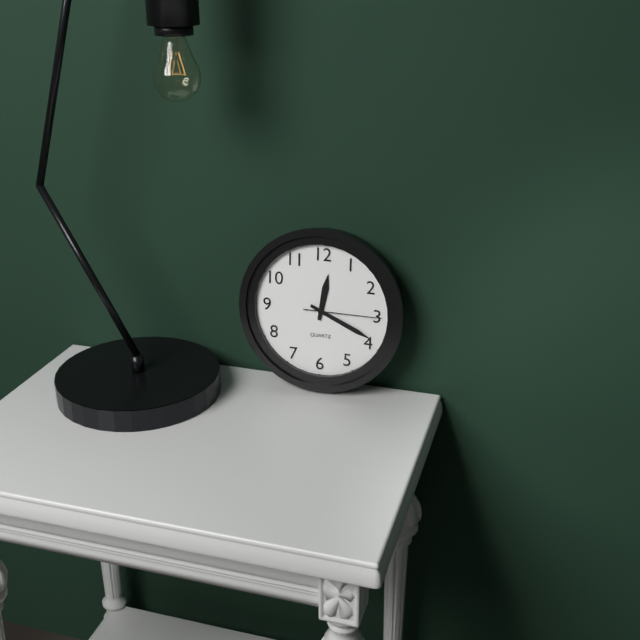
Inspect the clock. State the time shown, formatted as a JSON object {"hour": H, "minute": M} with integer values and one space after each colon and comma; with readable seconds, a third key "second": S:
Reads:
{"hour": 12, "minute": 19, "second": 15}
